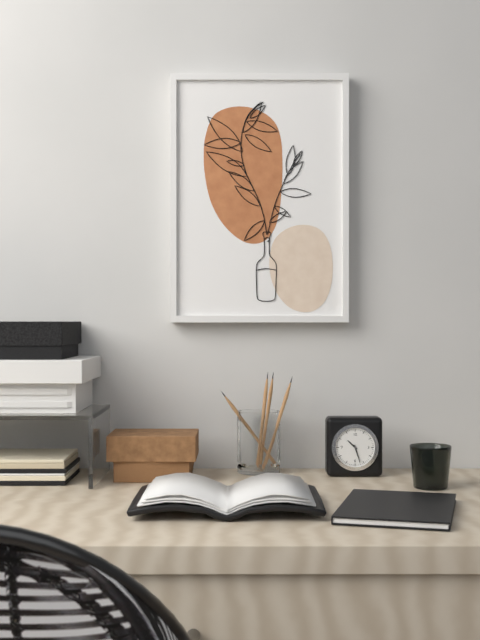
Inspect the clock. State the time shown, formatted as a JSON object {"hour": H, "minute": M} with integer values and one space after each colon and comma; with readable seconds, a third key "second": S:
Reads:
{"hour": 10, "minute": 27}
